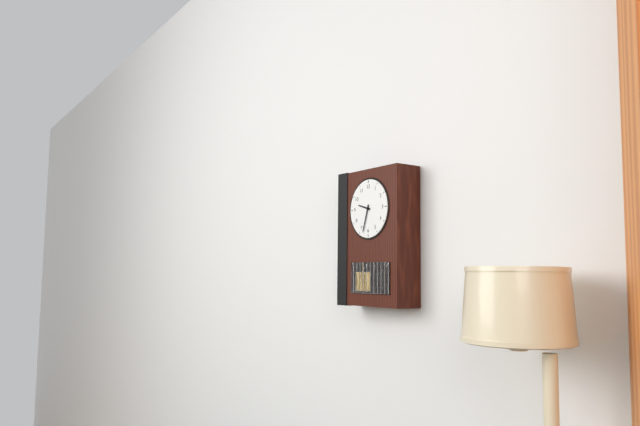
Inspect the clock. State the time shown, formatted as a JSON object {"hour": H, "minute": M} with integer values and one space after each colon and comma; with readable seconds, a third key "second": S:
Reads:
{"hour": 9, "minute": 33}
